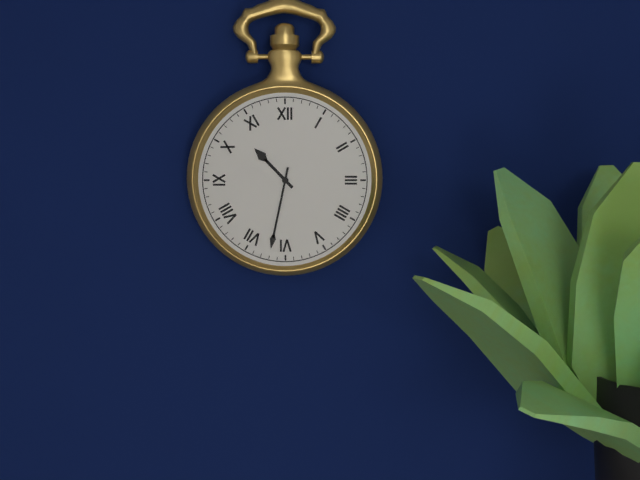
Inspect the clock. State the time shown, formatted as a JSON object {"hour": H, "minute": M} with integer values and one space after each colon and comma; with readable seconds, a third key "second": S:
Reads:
{"hour": 10, "minute": 32}
